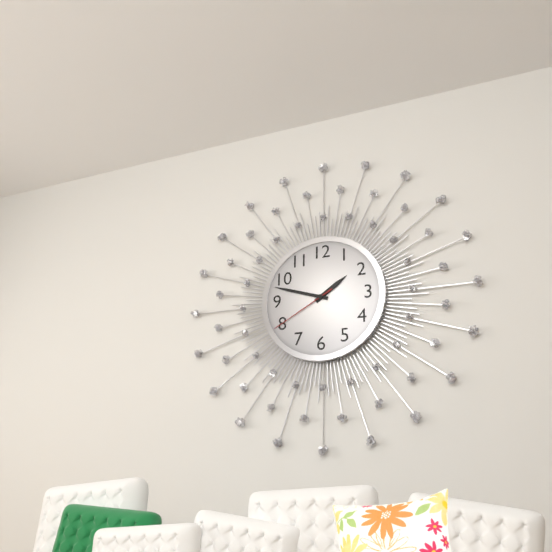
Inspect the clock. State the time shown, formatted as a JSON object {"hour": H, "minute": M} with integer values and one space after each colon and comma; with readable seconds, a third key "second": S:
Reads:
{"hour": 1, "minute": 48, "second": 40}
